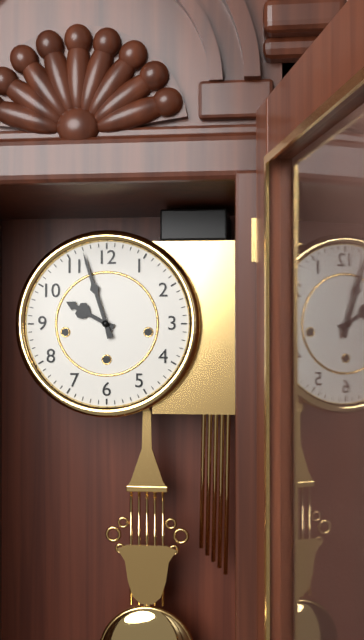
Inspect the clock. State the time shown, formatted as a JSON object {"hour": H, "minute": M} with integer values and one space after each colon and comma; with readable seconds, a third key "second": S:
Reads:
{"hour": 9, "minute": 57}
